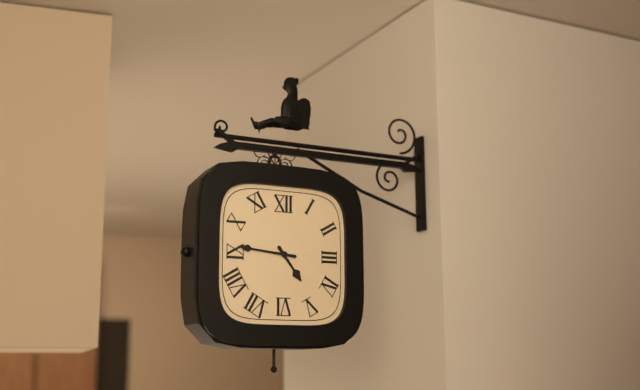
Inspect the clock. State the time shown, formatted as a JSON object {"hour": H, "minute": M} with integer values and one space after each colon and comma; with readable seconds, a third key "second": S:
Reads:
{"hour": 4, "minute": 46}
